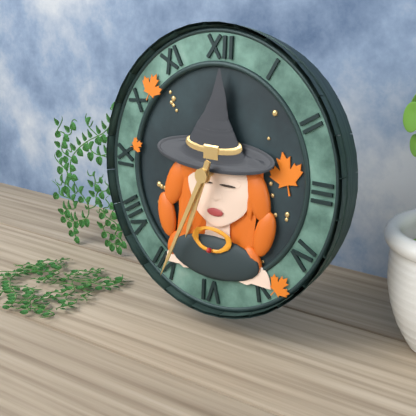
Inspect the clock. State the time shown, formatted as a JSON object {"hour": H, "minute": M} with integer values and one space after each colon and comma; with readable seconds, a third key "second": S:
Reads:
{"hour": 6, "minute": 34}
